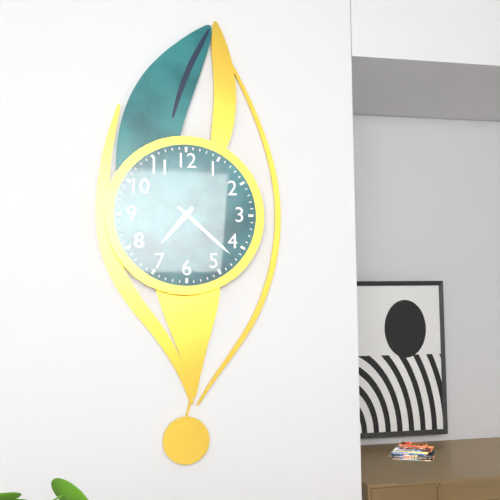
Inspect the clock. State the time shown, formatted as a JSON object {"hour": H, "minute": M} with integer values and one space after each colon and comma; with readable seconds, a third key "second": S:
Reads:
{"hour": 7, "minute": 22}
